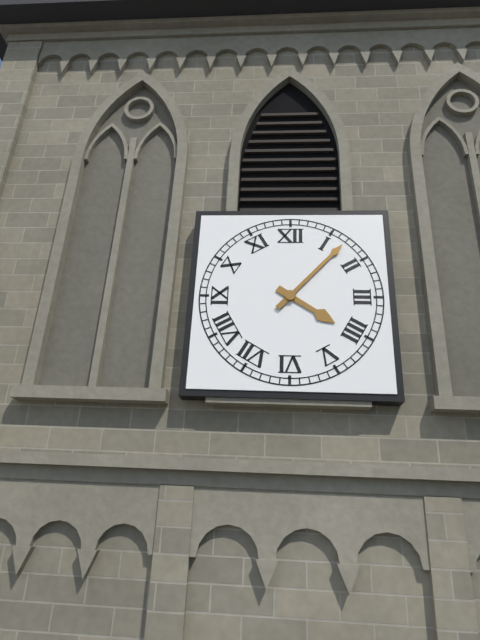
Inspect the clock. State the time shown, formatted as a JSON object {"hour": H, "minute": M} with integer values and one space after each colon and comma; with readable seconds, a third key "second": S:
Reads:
{"hour": 4, "minute": 7}
